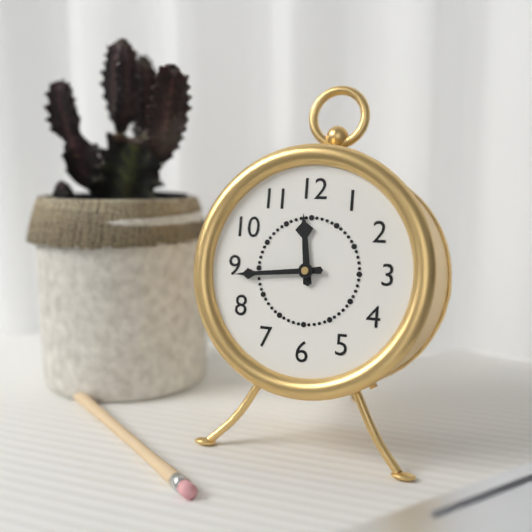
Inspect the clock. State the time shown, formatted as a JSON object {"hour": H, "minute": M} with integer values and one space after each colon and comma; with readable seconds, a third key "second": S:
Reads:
{"hour": 11, "minute": 44}
